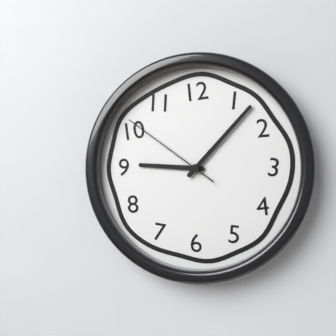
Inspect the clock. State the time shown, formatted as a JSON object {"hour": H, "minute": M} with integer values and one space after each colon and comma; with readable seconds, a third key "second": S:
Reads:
{"hour": 9, "minute": 7, "second": 51}
